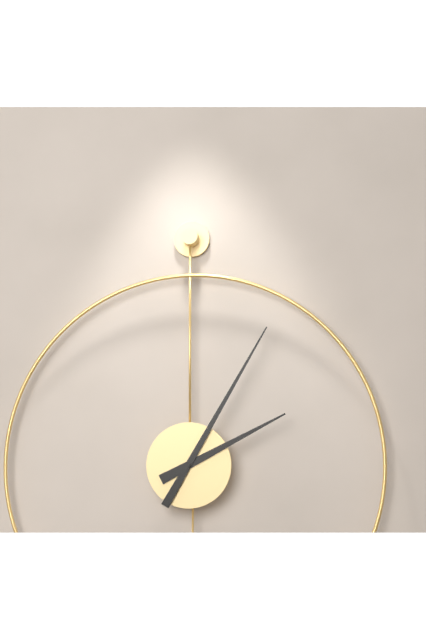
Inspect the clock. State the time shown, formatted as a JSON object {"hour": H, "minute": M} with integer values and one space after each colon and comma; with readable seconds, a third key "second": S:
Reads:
{"hour": 2, "minute": 5}
